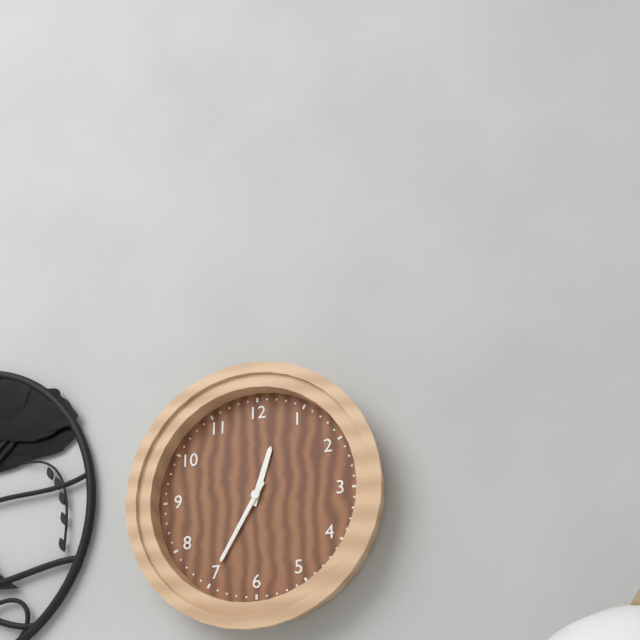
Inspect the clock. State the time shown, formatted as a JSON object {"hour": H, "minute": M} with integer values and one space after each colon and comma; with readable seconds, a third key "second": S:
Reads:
{"hour": 12, "minute": 35}
